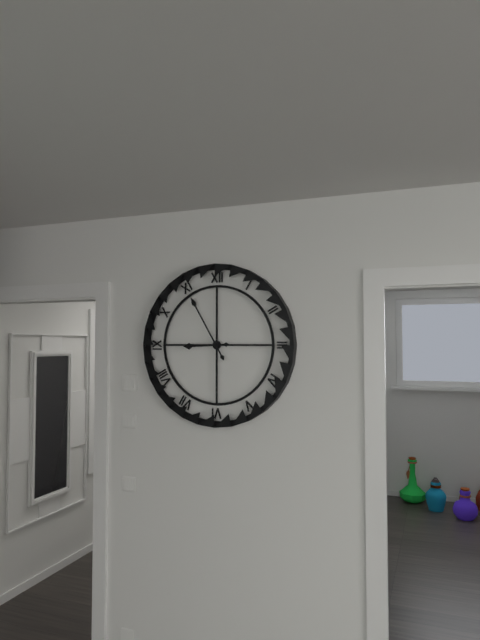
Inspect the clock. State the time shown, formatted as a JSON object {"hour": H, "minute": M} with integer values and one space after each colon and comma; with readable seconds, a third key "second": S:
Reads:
{"hour": 8, "minute": 55}
